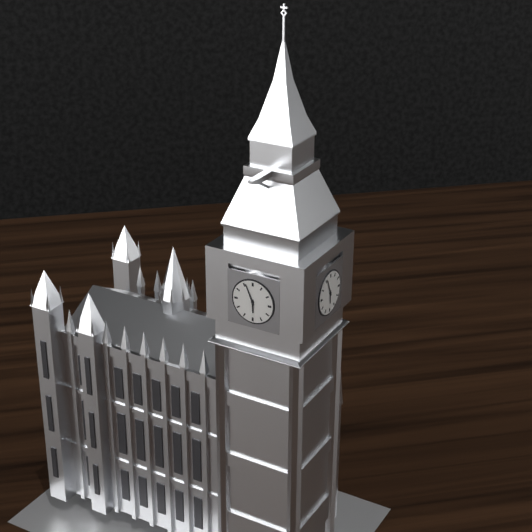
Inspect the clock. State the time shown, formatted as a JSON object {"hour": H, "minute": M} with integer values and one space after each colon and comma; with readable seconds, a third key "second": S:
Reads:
{"hour": 5, "minute": 56}
